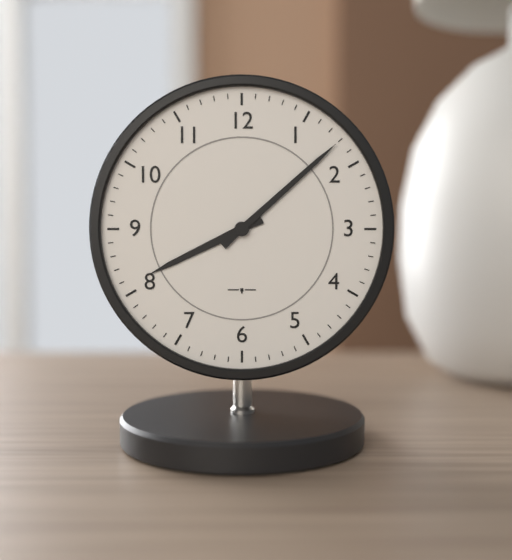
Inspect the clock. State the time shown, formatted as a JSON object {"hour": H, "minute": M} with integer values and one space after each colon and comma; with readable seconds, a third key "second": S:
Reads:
{"hour": 8, "minute": 8}
